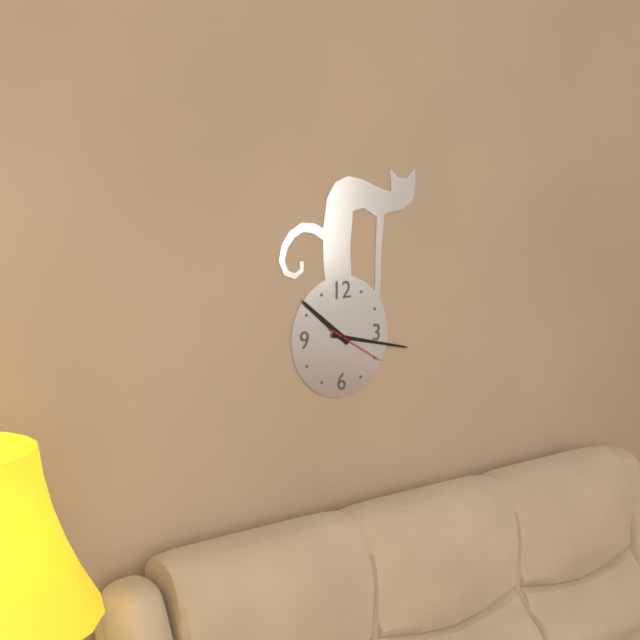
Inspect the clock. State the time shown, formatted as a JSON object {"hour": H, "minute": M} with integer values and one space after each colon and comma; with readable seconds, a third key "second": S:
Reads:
{"hour": 10, "minute": 17, "second": 20}
